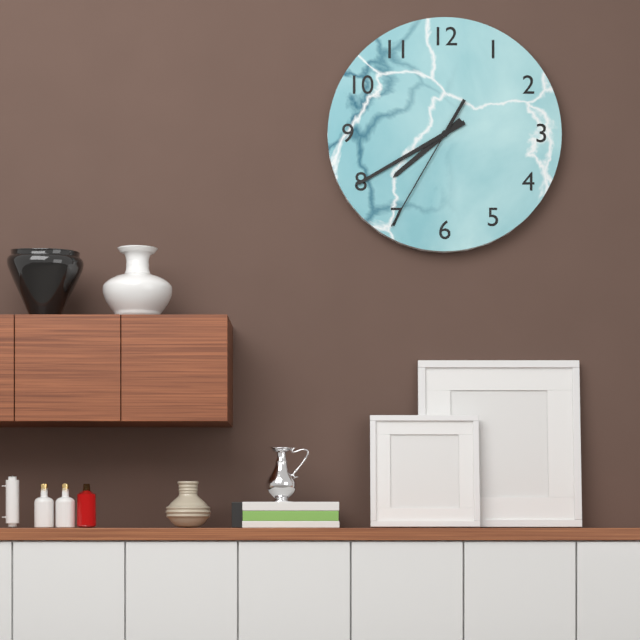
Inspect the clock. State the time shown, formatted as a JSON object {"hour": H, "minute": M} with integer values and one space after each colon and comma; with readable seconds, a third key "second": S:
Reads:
{"hour": 7, "minute": 40, "second": 35}
